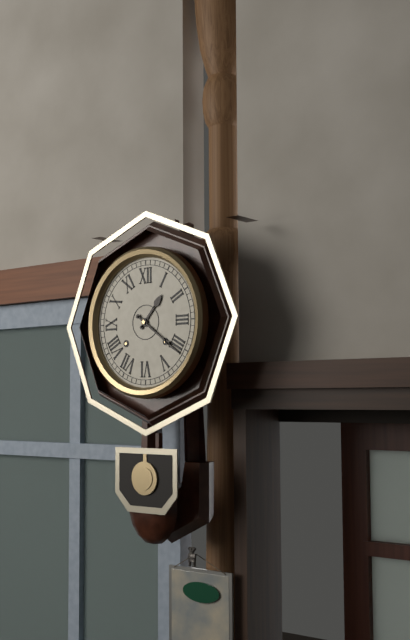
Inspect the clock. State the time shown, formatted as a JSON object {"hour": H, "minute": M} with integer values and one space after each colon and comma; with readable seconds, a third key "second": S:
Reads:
{"hour": 1, "minute": 21}
